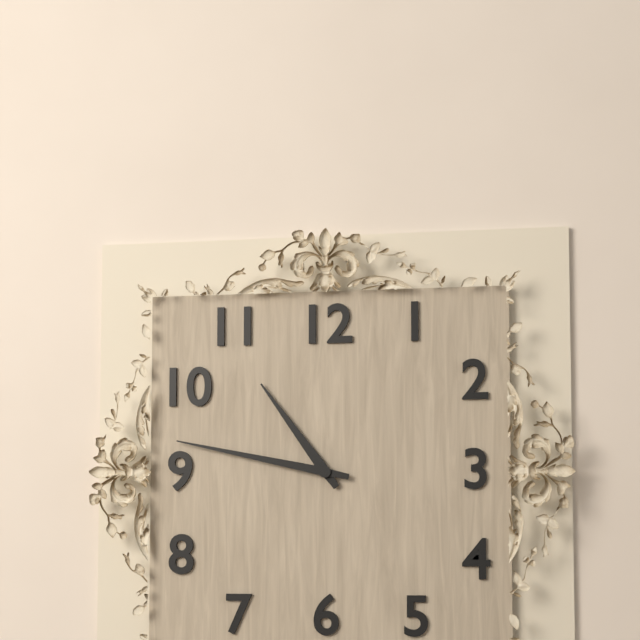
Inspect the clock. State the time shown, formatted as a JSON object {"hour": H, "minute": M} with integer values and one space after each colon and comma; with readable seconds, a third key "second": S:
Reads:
{"hour": 10, "minute": 47}
